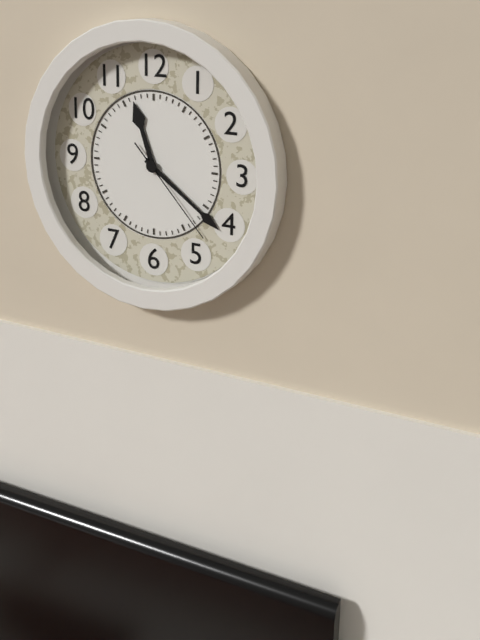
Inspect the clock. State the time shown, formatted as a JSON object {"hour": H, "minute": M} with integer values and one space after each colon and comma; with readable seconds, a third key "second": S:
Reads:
{"hour": 11, "minute": 21, "second": 23}
